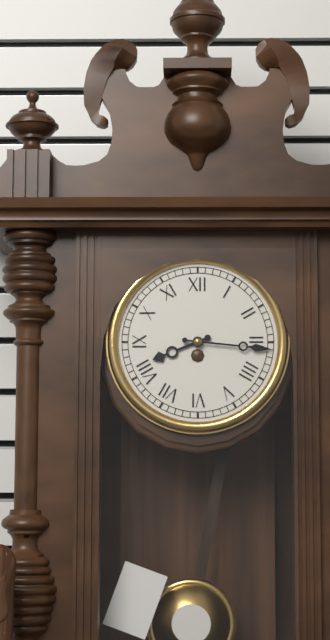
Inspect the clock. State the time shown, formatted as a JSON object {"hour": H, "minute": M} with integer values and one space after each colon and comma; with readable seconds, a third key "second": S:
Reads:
{"hour": 8, "minute": 16}
